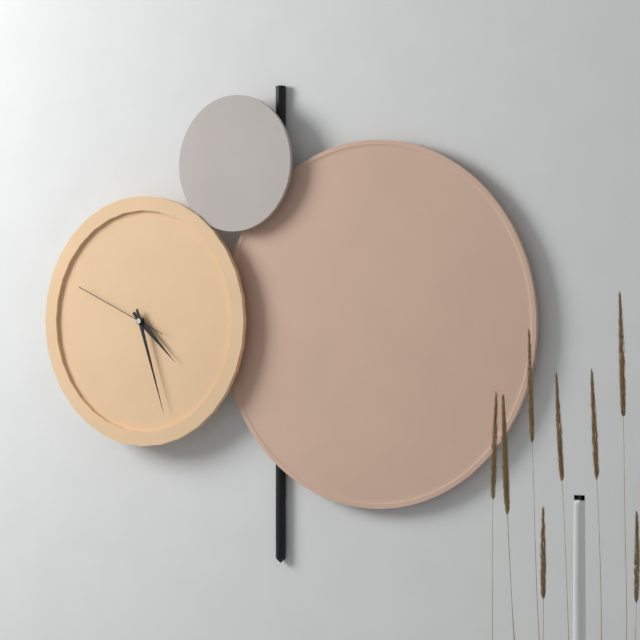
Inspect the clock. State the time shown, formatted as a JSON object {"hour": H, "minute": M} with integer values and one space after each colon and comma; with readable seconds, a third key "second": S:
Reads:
{"hour": 4, "minute": 27, "second": 49}
